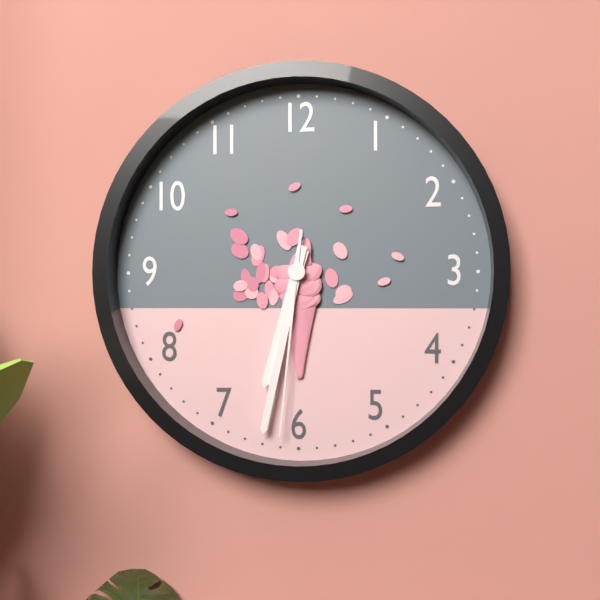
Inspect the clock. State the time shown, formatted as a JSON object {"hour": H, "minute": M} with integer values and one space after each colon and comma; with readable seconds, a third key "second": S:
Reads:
{"hour": 6, "minute": 32, "second": 31}
